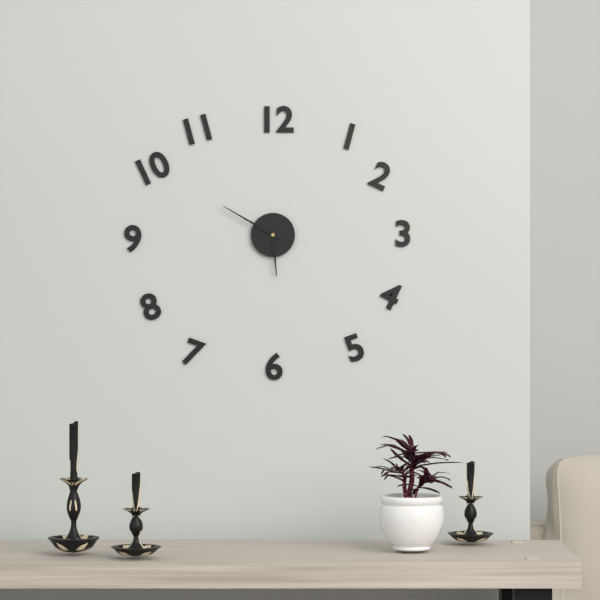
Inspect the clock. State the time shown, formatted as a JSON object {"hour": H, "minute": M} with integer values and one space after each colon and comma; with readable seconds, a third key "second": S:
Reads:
{"hour": 5, "minute": 50}
